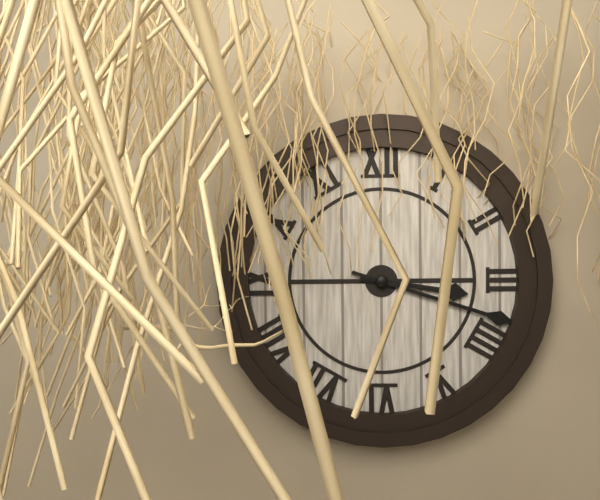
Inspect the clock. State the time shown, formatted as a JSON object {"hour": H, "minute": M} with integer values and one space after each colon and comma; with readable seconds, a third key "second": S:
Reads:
{"hour": 3, "minute": 18}
